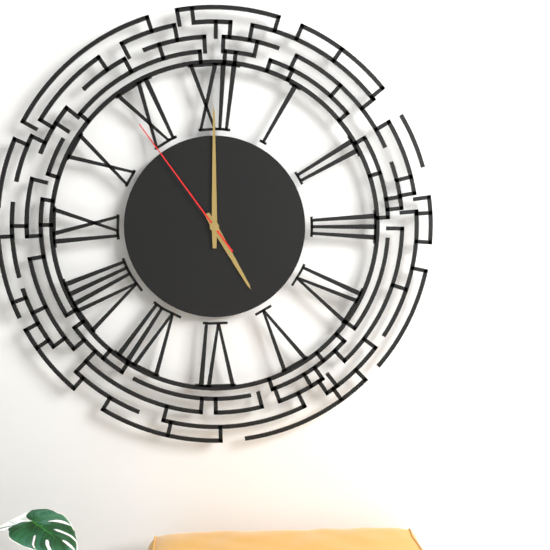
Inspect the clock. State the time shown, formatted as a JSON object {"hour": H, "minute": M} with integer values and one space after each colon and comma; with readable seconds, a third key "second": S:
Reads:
{"hour": 5, "minute": 0, "second": 54}
